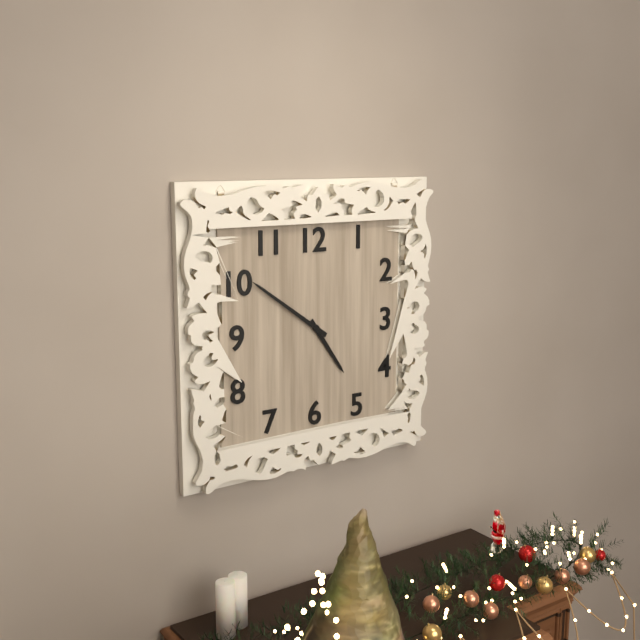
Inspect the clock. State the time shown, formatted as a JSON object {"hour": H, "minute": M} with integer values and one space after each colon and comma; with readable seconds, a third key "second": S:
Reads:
{"hour": 4, "minute": 51}
